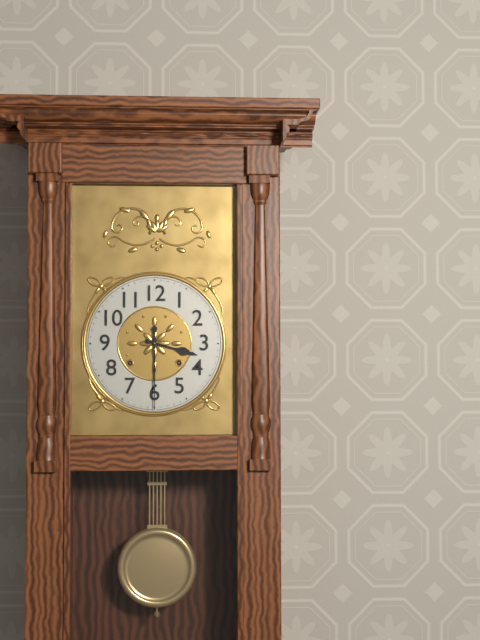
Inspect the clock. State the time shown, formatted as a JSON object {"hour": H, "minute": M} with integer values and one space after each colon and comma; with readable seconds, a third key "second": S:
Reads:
{"hour": 3, "minute": 30}
